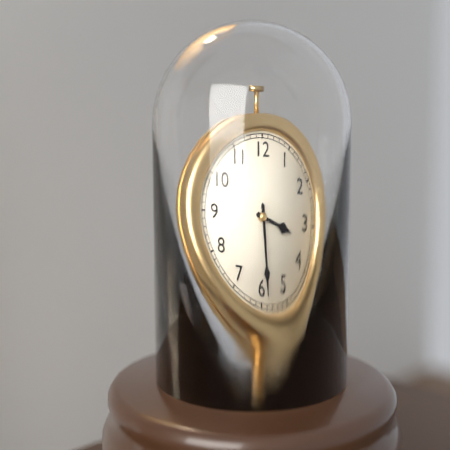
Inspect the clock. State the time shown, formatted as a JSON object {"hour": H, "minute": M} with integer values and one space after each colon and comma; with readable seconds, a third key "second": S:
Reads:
{"hour": 3, "minute": 29}
